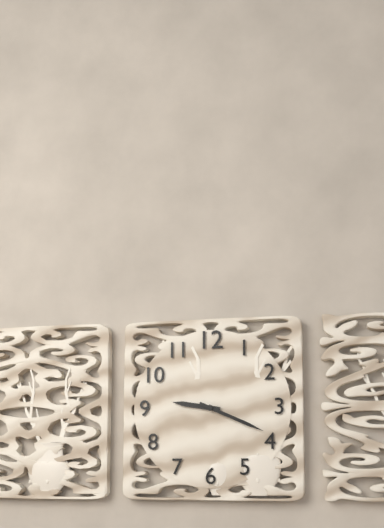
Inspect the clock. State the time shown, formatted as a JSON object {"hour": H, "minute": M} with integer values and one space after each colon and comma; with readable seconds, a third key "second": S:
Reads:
{"hour": 9, "minute": 19}
